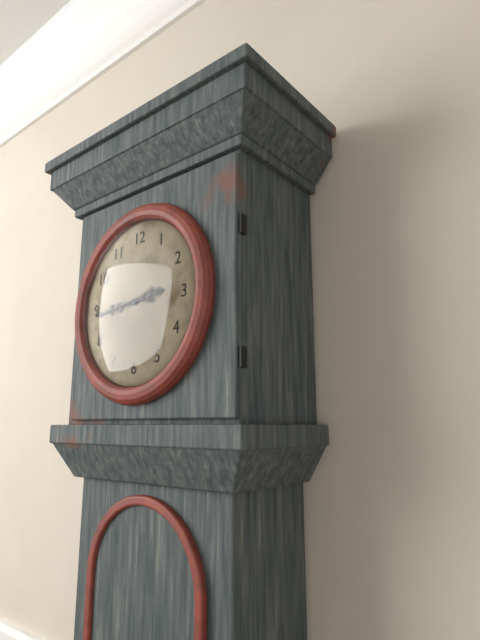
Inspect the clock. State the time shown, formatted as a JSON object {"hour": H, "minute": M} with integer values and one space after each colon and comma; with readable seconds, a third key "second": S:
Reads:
{"hour": 2, "minute": 44}
